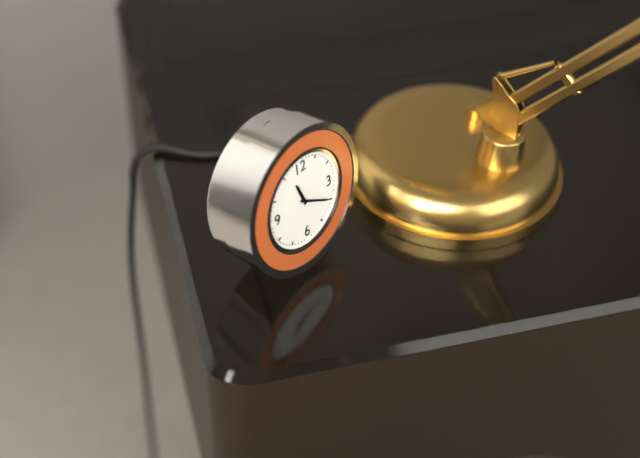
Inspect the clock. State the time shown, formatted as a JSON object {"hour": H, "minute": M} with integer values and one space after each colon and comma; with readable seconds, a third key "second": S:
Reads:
{"hour": 11, "minute": 20}
